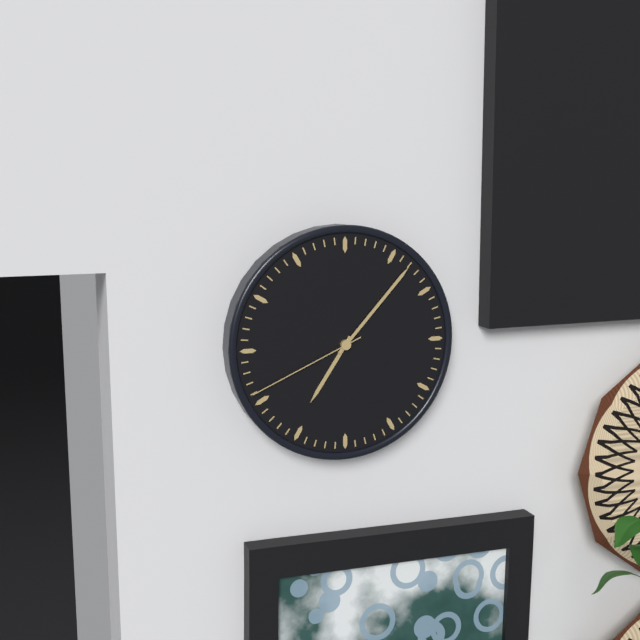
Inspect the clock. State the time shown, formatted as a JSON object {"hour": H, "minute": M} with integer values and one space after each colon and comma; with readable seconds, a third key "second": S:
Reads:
{"hour": 7, "minute": 7, "second": 41}
